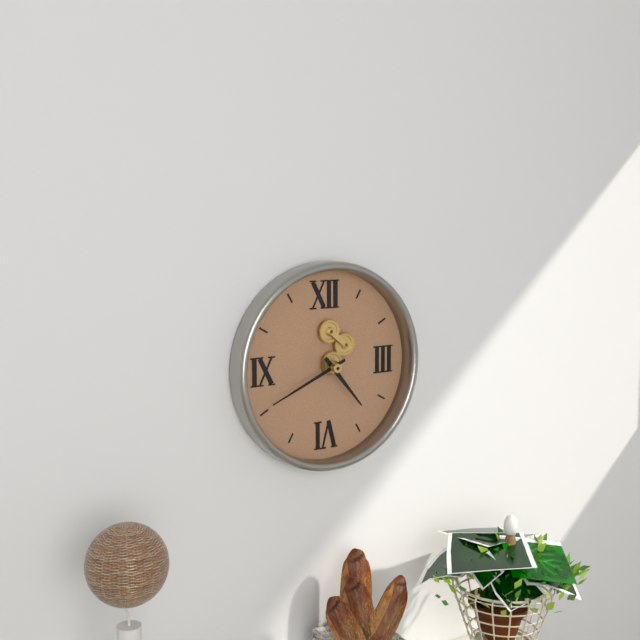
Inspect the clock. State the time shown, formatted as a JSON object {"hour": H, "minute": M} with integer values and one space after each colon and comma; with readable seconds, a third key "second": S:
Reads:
{"hour": 4, "minute": 41}
